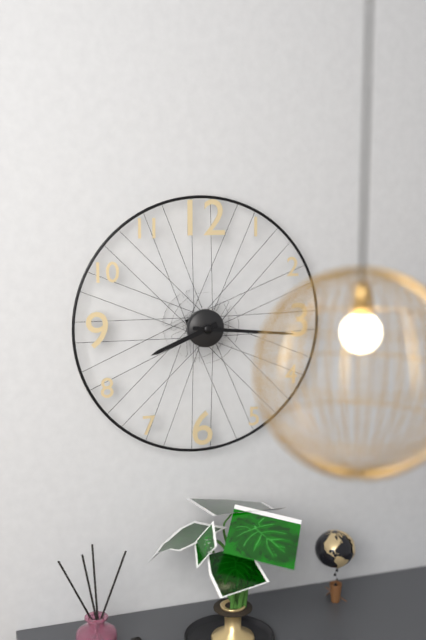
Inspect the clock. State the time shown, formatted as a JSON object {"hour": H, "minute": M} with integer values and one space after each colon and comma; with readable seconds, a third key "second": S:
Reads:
{"hour": 8, "minute": 16}
